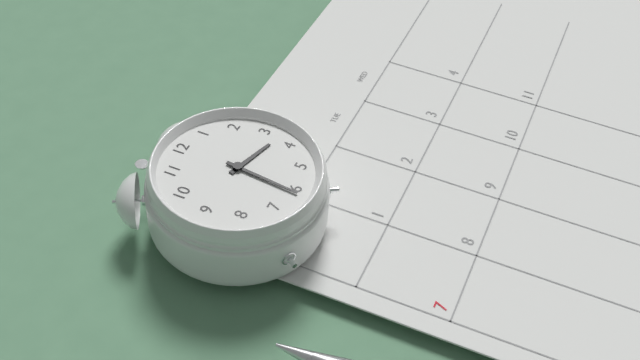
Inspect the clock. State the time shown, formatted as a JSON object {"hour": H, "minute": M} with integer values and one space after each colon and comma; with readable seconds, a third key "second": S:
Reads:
{"hour": 3, "minute": 31}
